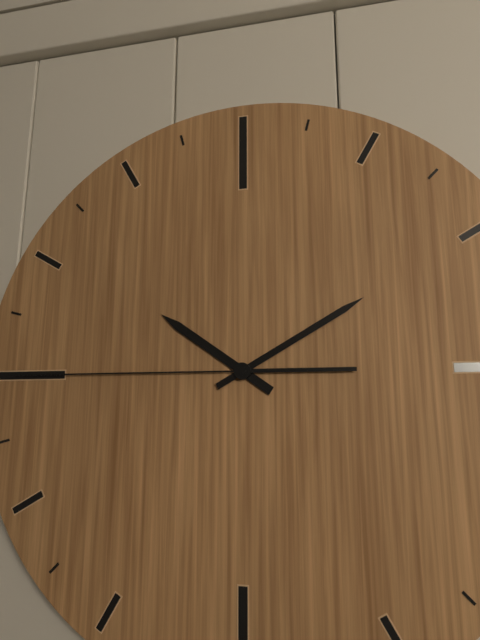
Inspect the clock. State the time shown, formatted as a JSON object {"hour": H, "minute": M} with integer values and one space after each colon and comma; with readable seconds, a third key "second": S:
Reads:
{"hour": 10, "minute": 10, "second": 45}
